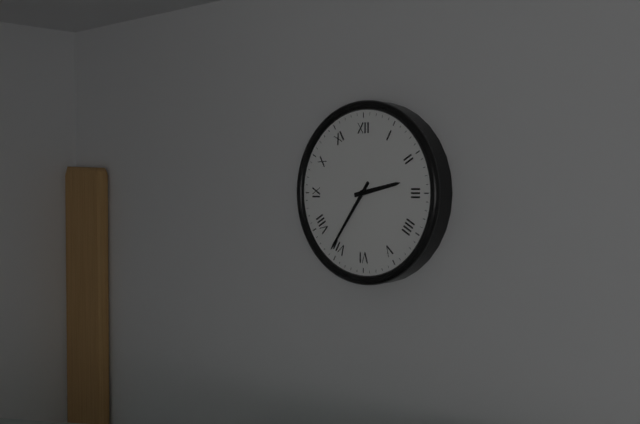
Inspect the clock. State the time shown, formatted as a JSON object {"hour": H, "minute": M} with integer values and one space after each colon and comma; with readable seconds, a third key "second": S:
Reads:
{"hour": 2, "minute": 36}
